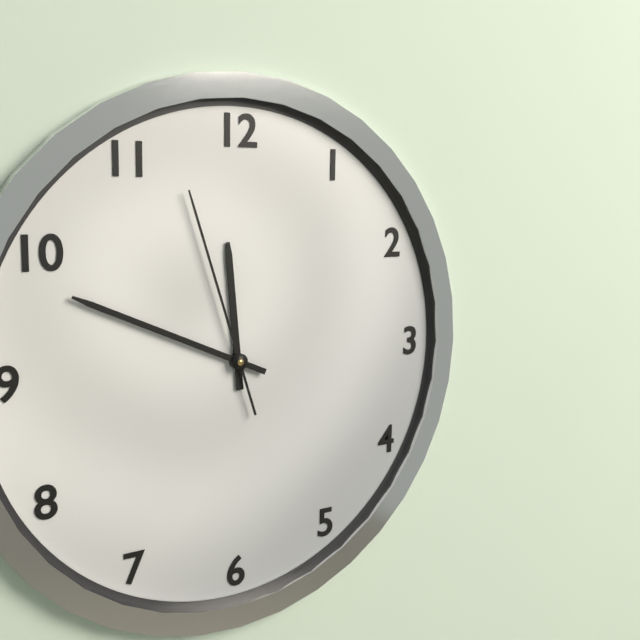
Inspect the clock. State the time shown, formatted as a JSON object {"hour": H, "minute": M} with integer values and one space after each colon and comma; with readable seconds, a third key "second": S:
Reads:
{"hour": 11, "minute": 49, "second": 57}
